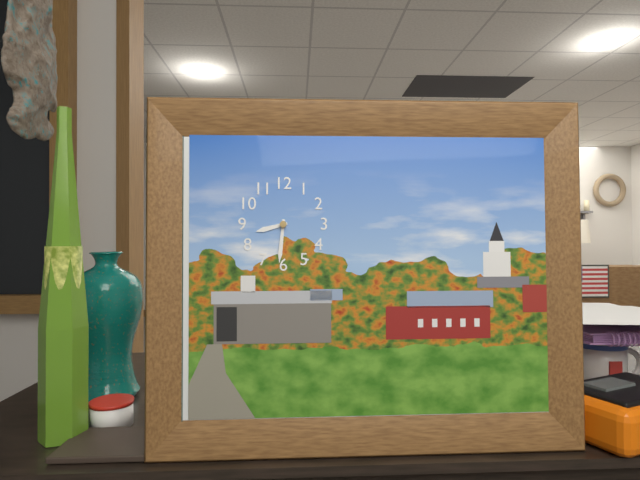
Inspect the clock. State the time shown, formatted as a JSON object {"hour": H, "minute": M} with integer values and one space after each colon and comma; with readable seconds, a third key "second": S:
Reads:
{"hour": 8, "minute": 31}
